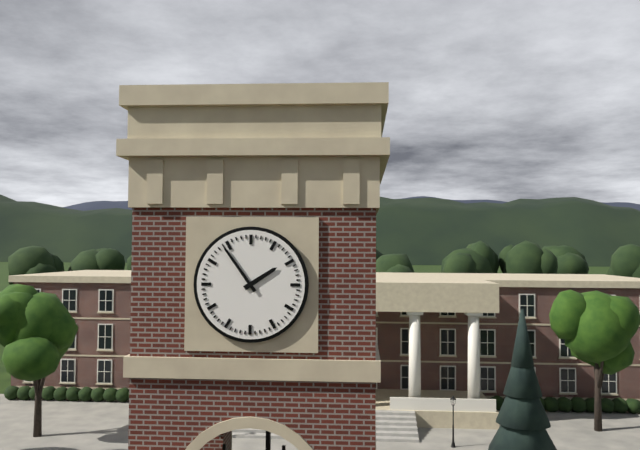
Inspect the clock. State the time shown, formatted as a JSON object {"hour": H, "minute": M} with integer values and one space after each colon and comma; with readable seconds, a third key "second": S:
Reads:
{"hour": 1, "minute": 54}
